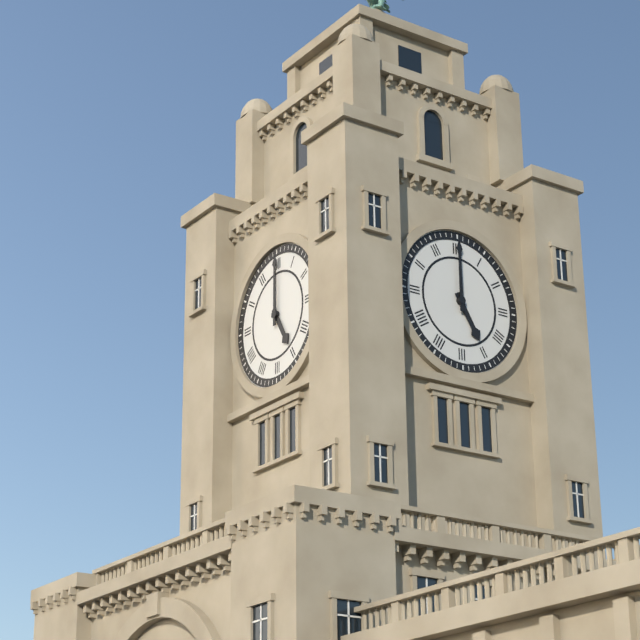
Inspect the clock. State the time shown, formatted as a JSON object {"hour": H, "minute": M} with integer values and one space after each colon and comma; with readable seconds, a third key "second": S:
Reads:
{"hour": 5, "minute": 0}
